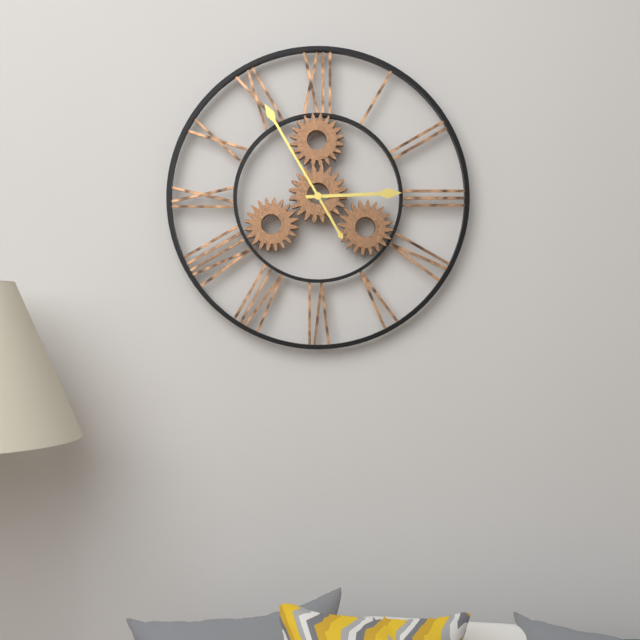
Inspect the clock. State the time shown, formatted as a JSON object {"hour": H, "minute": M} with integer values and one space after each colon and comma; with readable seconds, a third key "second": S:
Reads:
{"hour": 2, "minute": 55}
